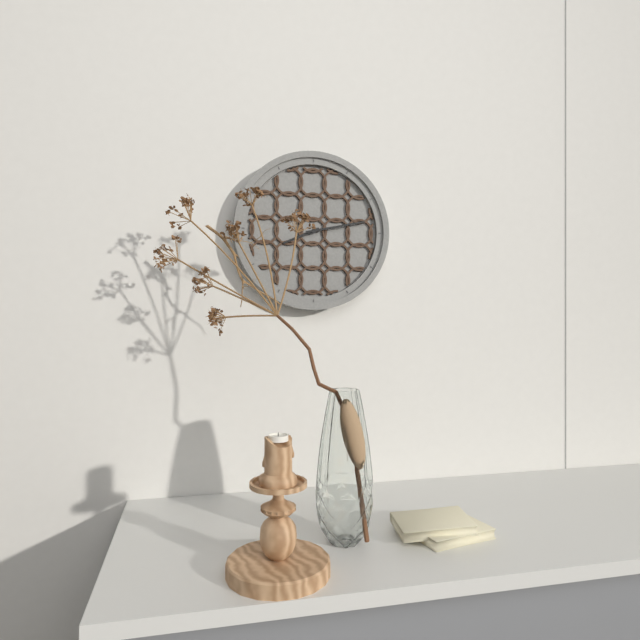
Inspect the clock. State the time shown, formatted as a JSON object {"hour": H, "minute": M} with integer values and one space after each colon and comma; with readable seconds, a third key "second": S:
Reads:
{"hour": 8, "minute": 13}
